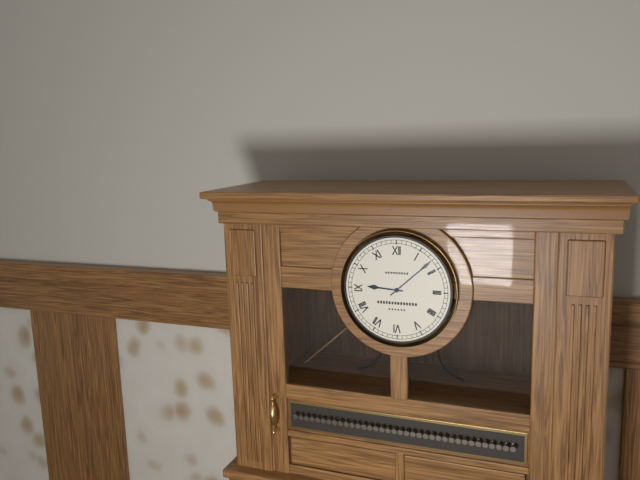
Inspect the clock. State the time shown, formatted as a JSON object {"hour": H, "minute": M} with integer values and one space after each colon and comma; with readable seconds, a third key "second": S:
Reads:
{"hour": 9, "minute": 8}
